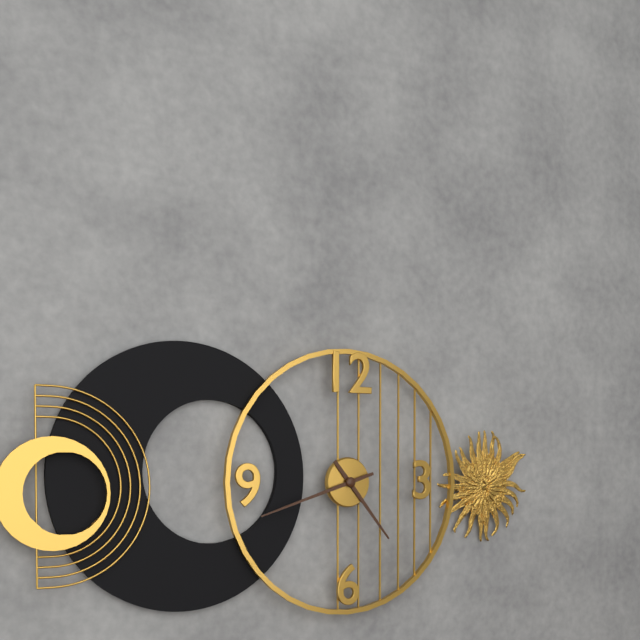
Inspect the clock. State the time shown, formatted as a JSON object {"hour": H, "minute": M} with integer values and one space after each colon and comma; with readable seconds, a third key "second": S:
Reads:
{"hour": 4, "minute": 42}
